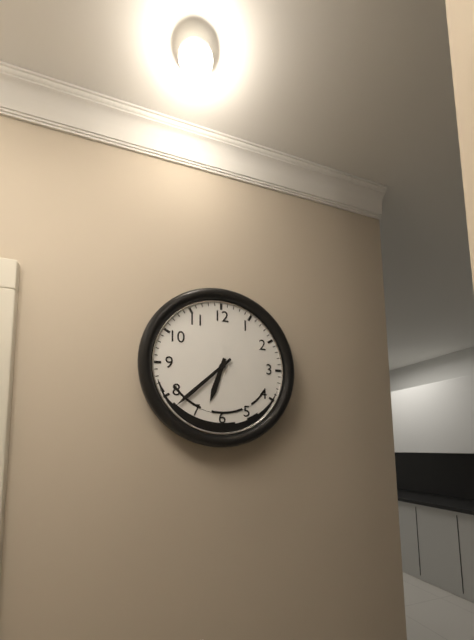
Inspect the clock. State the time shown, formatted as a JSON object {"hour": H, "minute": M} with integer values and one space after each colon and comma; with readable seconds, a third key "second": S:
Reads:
{"hour": 6, "minute": 38}
